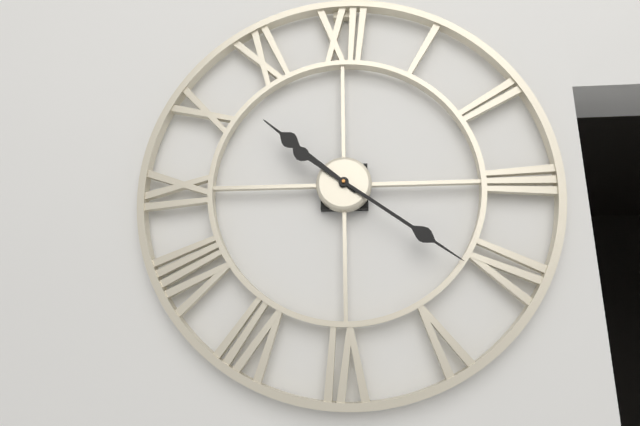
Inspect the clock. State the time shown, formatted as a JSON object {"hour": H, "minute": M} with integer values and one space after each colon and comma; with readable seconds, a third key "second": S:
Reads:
{"hour": 10, "minute": 21}
